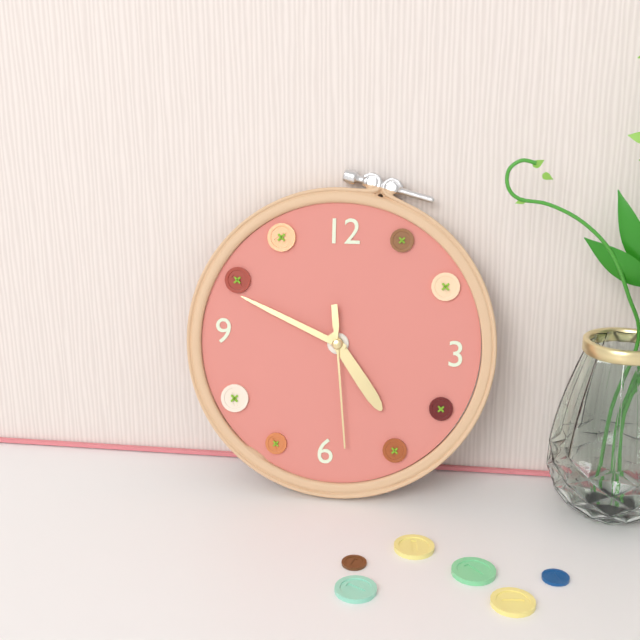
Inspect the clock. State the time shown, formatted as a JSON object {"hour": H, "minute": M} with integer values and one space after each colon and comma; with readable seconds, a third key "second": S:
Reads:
{"hour": 4, "minute": 49, "second": 29}
